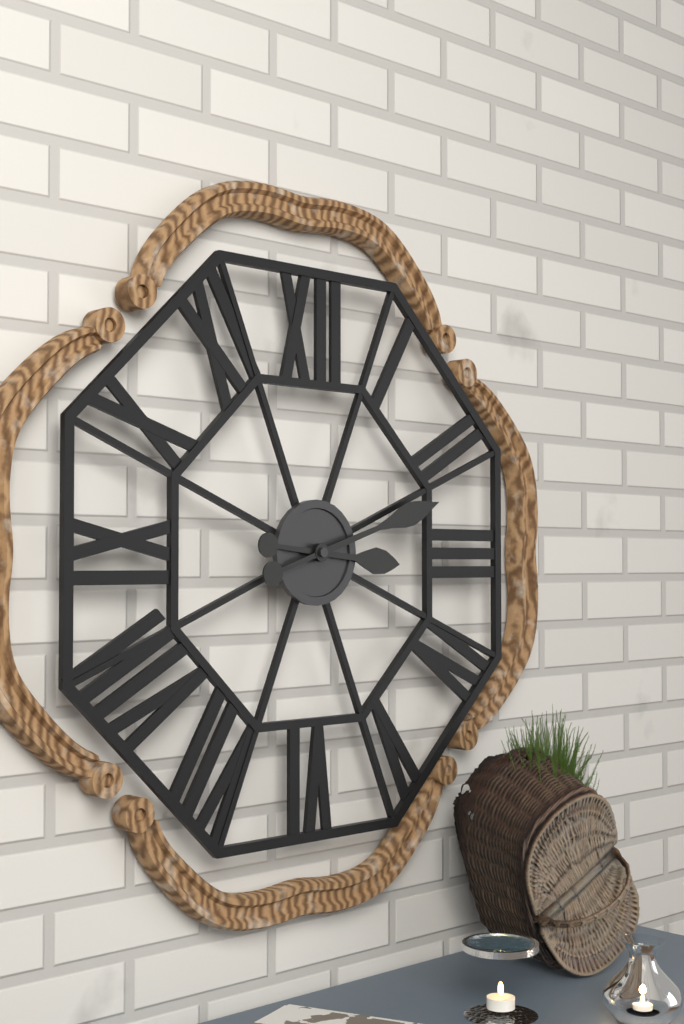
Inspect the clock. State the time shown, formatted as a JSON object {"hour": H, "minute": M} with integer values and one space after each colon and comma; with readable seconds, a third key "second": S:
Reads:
{"hour": 3, "minute": 12}
